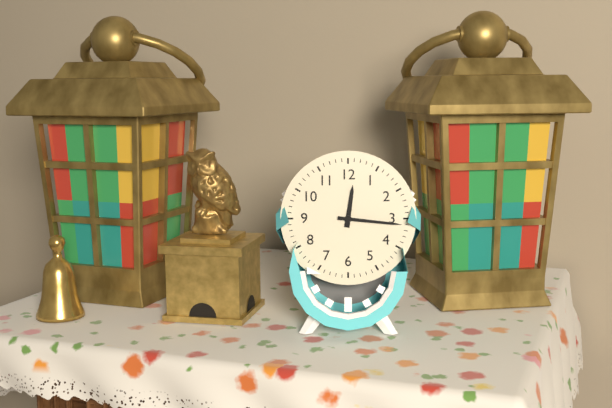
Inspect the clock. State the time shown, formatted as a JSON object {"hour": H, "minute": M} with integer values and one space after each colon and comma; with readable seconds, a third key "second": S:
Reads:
{"hour": 12, "minute": 16}
